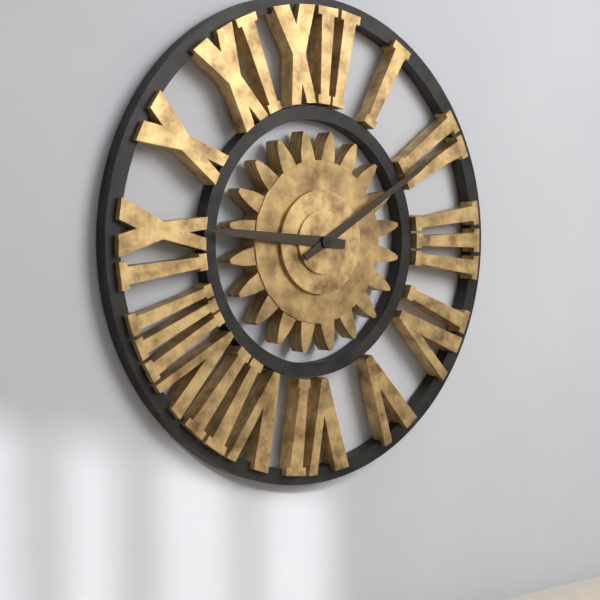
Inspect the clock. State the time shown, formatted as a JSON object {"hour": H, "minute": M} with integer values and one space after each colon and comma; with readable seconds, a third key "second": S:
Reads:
{"hour": 9, "minute": 10}
